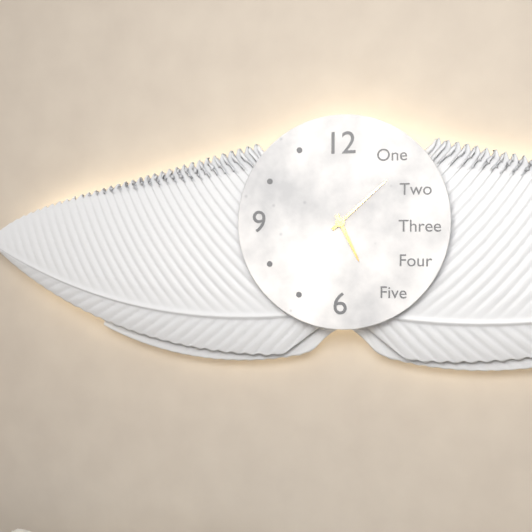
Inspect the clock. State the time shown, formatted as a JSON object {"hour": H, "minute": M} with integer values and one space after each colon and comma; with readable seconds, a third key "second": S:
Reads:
{"hour": 5, "minute": 8}
